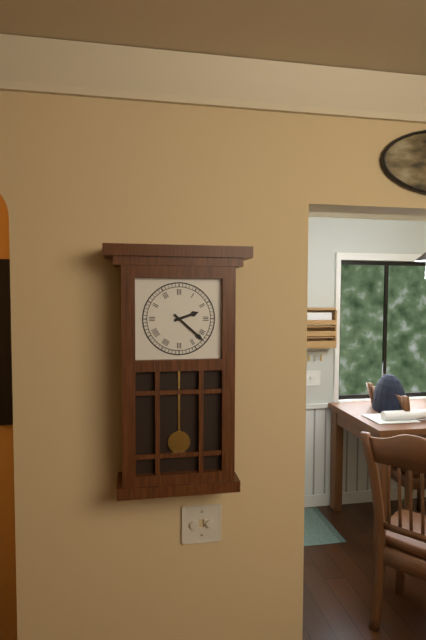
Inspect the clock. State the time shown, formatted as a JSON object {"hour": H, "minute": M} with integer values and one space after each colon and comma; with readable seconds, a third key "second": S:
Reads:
{"hour": 2, "minute": 22}
